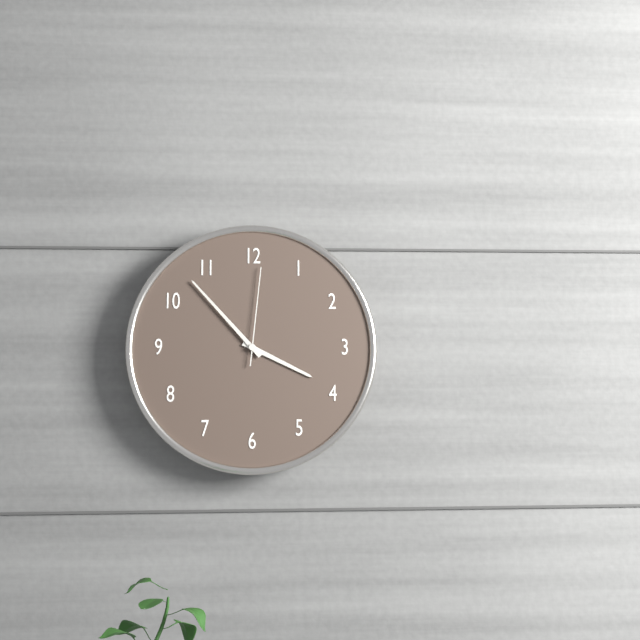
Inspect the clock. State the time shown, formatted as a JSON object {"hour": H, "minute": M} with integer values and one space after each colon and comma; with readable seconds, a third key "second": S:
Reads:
{"hour": 3, "minute": 53, "second": 1}
